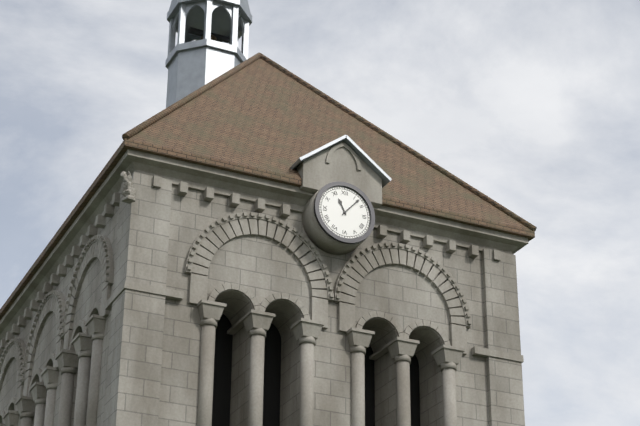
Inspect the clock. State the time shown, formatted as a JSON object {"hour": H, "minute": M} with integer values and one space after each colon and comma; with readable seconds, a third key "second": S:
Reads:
{"hour": 11, "minute": 7}
